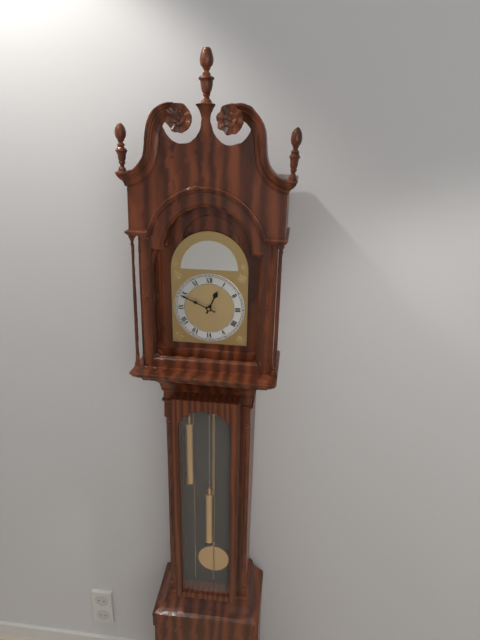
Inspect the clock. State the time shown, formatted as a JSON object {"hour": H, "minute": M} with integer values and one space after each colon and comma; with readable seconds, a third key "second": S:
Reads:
{"hour": 12, "minute": 49}
